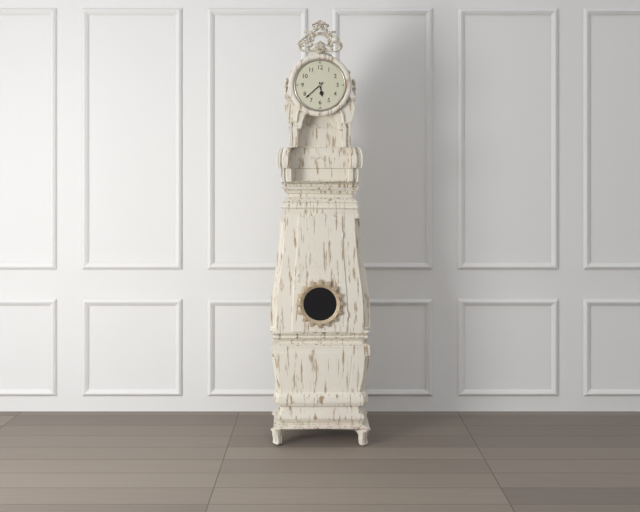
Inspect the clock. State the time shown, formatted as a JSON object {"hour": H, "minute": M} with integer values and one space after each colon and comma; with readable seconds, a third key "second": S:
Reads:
{"hour": 5, "minute": 38}
